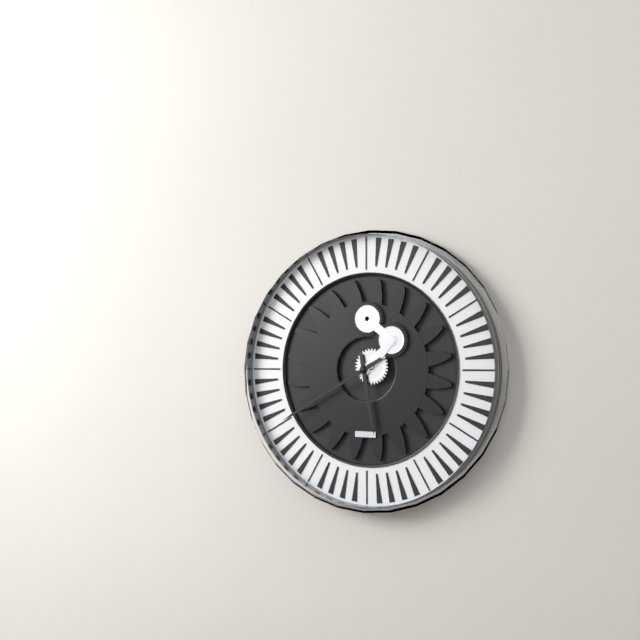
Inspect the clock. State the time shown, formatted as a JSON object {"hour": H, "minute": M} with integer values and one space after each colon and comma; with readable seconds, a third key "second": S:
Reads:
{"hour": 5, "minute": 40}
